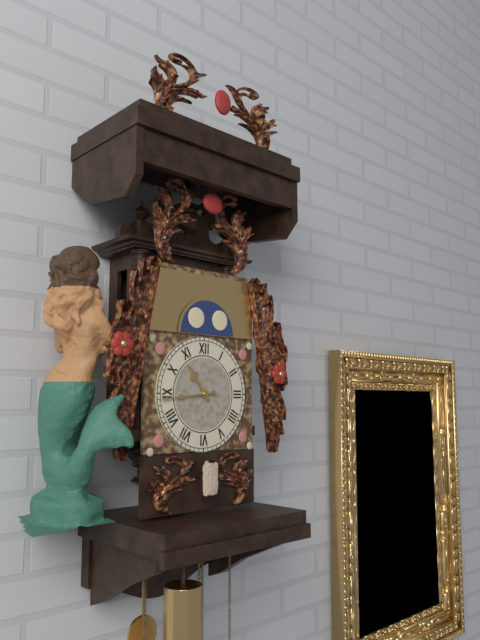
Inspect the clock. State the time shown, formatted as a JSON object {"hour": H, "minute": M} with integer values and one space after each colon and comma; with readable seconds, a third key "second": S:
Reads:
{"hour": 10, "minute": 44}
